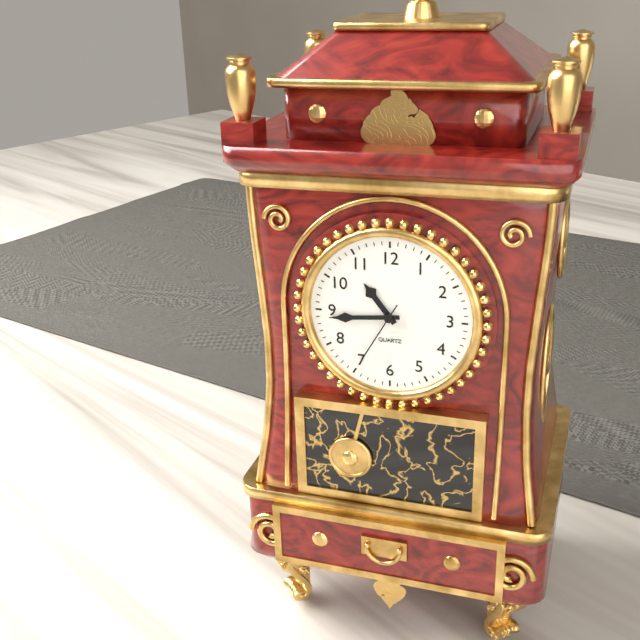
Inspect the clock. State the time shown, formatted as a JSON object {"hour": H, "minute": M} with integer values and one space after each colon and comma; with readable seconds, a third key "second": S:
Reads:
{"hour": 10, "minute": 44, "second": 35}
